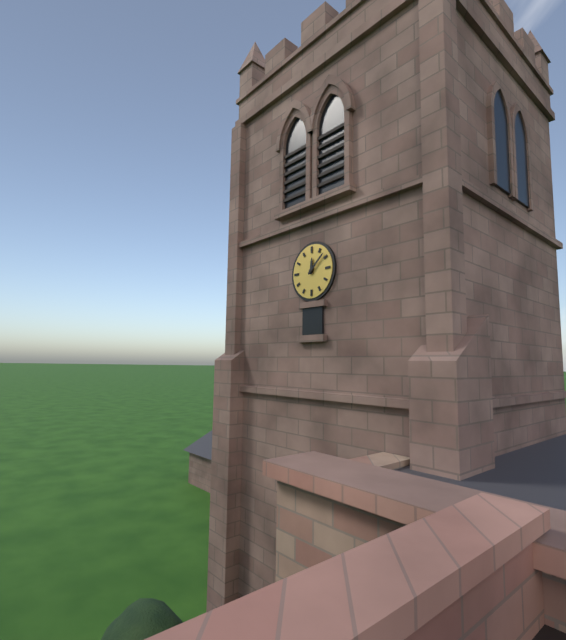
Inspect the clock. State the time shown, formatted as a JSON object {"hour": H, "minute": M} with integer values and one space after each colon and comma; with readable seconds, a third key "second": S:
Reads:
{"hour": 12, "minute": 8}
